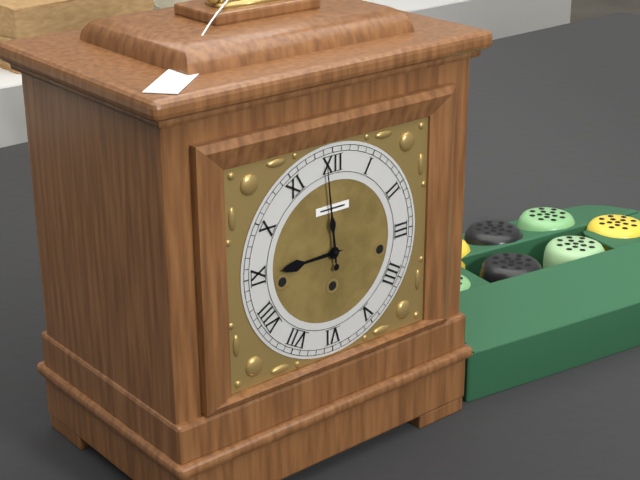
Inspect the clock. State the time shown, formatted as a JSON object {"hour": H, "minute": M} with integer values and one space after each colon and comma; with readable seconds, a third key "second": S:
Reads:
{"hour": 8, "minute": 59}
